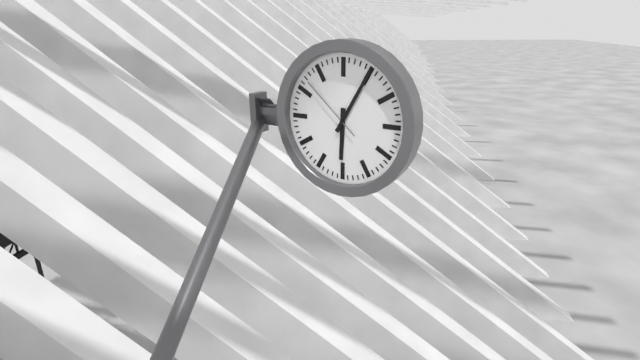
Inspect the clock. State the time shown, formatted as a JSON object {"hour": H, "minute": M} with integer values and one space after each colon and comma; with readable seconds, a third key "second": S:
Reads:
{"hour": 6, "minute": 5, "second": 52}
